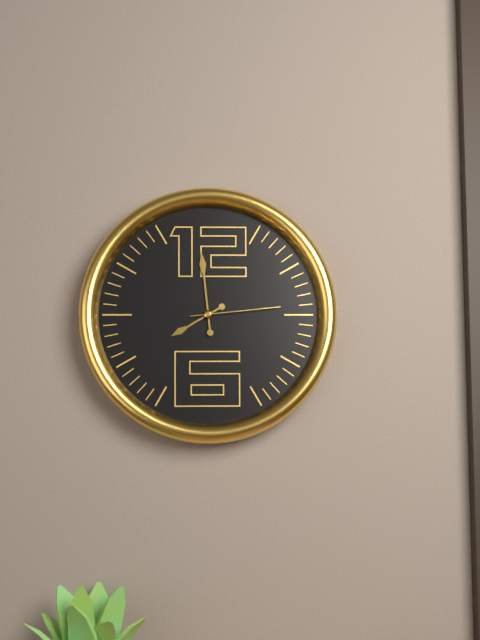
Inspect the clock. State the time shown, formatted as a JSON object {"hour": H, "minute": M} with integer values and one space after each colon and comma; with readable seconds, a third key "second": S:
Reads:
{"hour": 7, "minute": 59, "second": 14}
